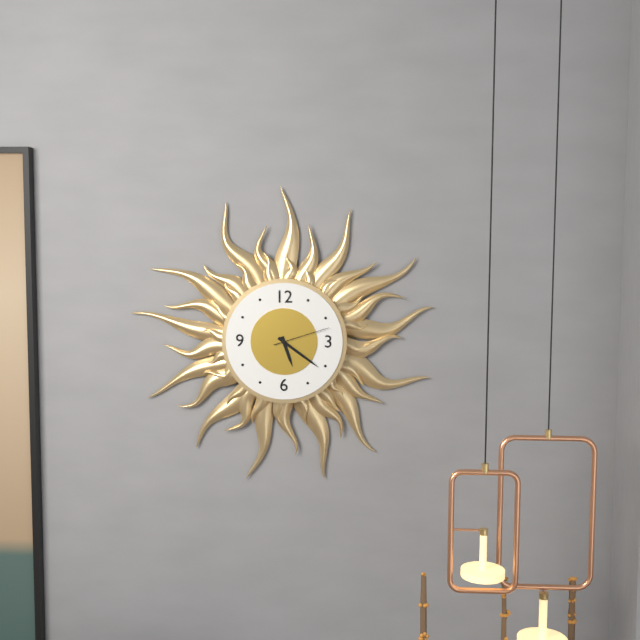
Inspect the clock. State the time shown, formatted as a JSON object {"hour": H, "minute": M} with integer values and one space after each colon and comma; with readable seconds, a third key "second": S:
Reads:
{"hour": 5, "minute": 21, "second": 12}
